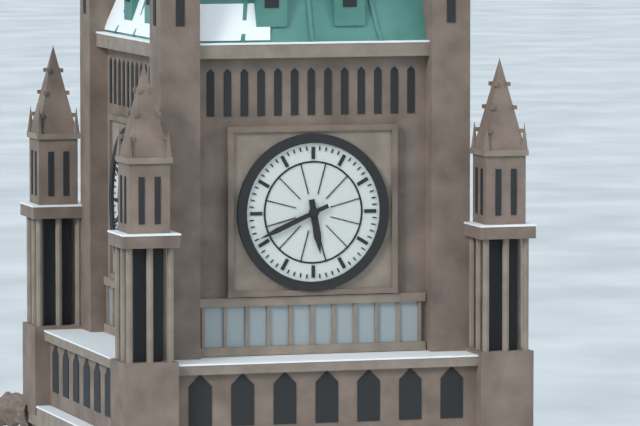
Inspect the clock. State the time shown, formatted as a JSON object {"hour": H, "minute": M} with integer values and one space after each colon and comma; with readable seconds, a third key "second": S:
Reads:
{"hour": 5, "minute": 41}
